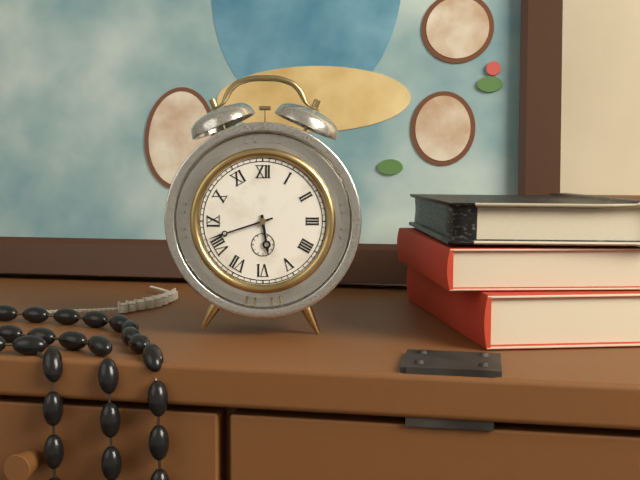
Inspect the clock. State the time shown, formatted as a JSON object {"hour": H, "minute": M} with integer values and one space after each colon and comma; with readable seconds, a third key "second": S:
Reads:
{"hour": 5, "minute": 42}
